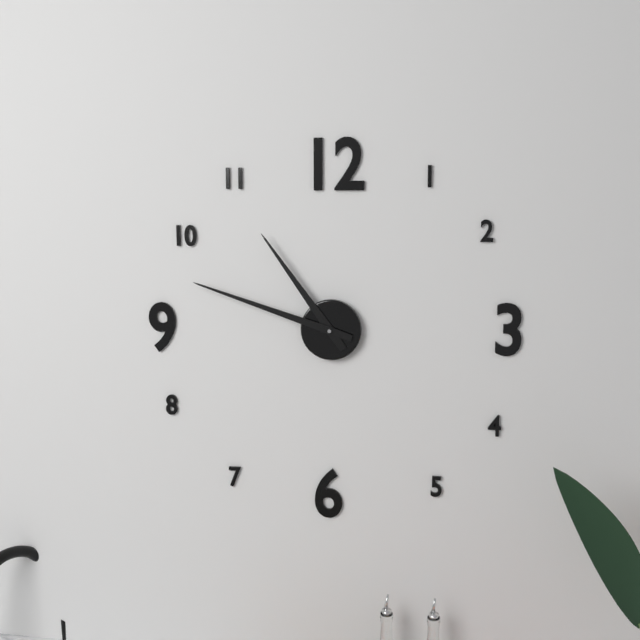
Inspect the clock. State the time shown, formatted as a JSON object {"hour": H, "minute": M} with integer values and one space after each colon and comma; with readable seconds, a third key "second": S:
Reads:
{"hour": 10, "minute": 48}
